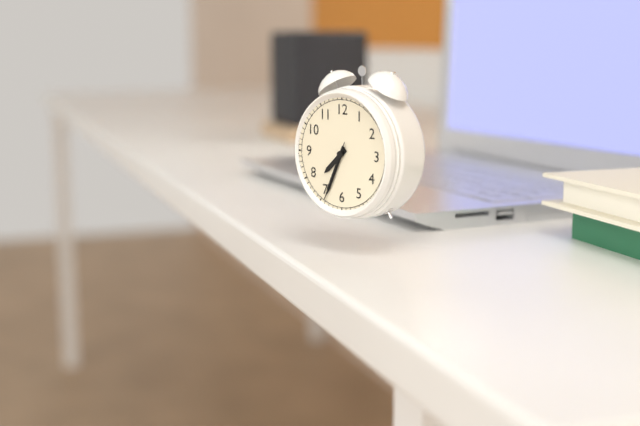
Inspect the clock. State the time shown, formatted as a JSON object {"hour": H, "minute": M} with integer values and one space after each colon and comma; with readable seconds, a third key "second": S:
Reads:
{"hour": 7, "minute": 34, "second": 34}
